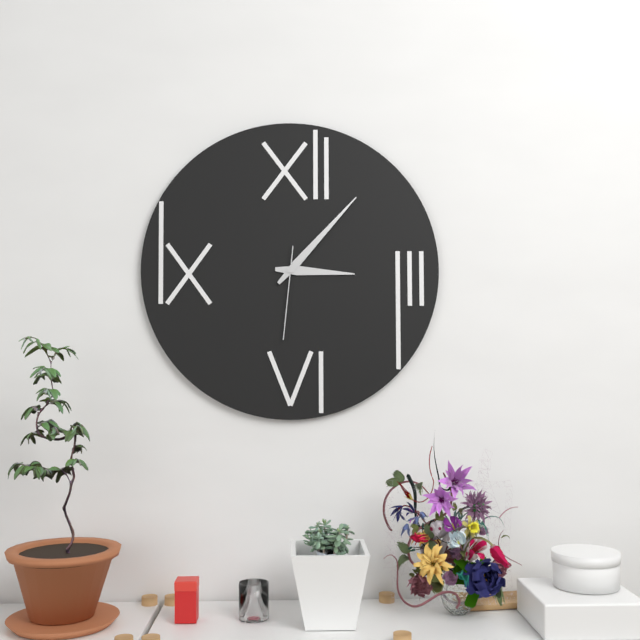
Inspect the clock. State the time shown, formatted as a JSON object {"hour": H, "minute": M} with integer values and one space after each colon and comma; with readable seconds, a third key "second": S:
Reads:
{"hour": 3, "minute": 7, "second": 31}
